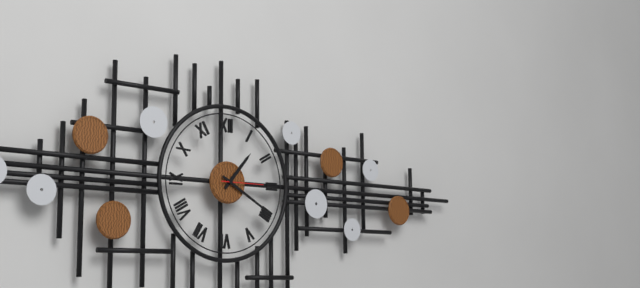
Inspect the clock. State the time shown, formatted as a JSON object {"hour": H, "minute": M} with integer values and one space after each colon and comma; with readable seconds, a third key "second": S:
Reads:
{"hour": 1, "minute": 20}
